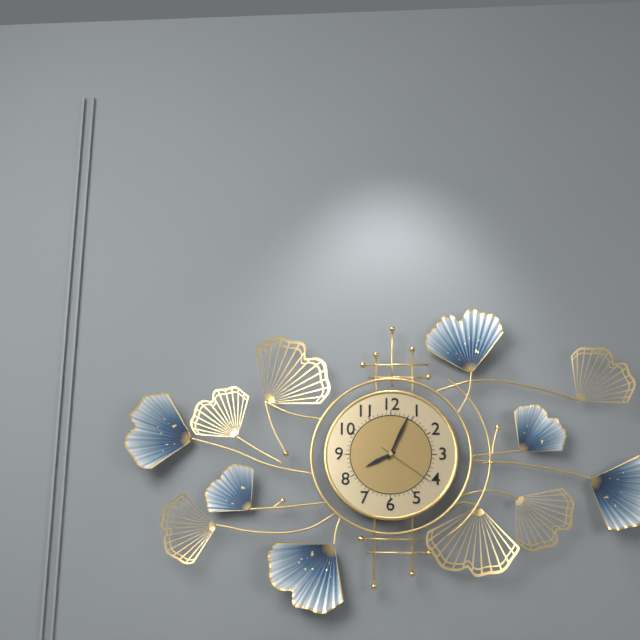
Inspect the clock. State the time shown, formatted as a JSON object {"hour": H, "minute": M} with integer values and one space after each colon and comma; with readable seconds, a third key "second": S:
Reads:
{"hour": 8, "minute": 4, "second": 21}
